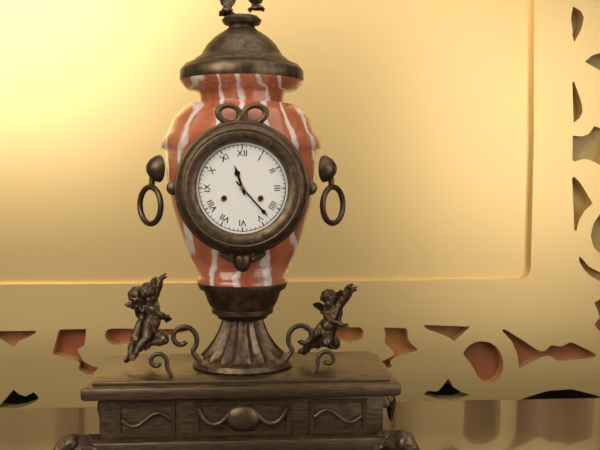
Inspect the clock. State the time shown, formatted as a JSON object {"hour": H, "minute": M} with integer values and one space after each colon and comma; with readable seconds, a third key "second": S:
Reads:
{"hour": 11, "minute": 23}
